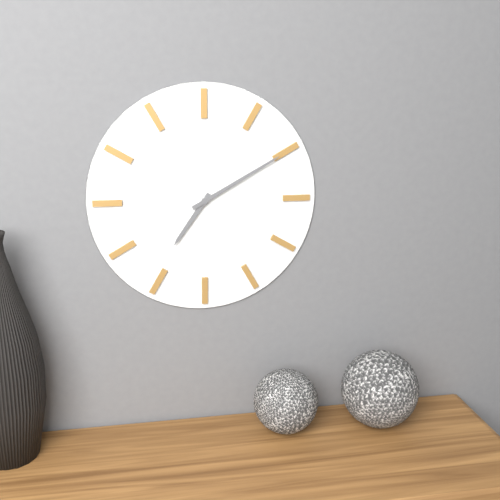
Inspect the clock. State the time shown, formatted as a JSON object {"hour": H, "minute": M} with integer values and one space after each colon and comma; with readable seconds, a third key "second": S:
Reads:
{"hour": 7, "minute": 10}
